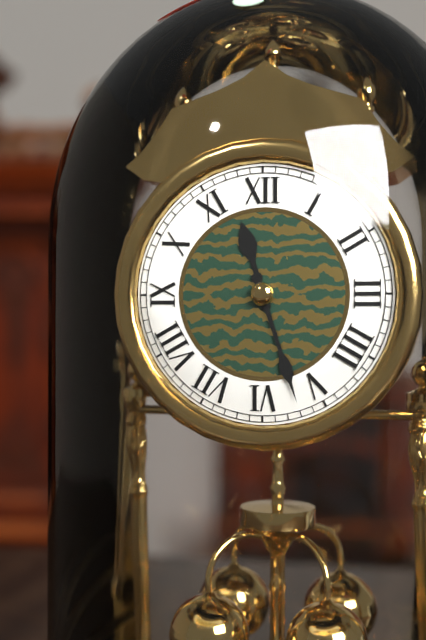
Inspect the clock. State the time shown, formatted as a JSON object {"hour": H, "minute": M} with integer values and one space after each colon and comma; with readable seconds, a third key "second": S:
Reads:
{"hour": 11, "minute": 27}
